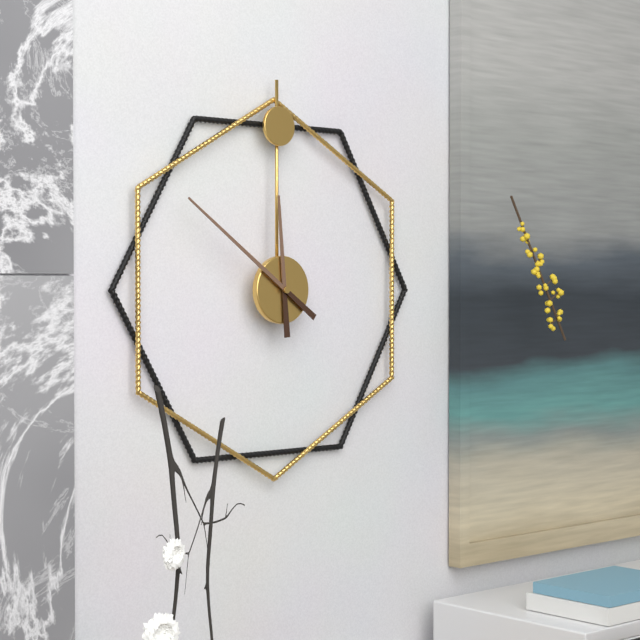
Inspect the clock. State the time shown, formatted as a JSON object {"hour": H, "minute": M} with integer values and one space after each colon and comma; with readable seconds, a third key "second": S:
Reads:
{"hour": 11, "minute": 51}
